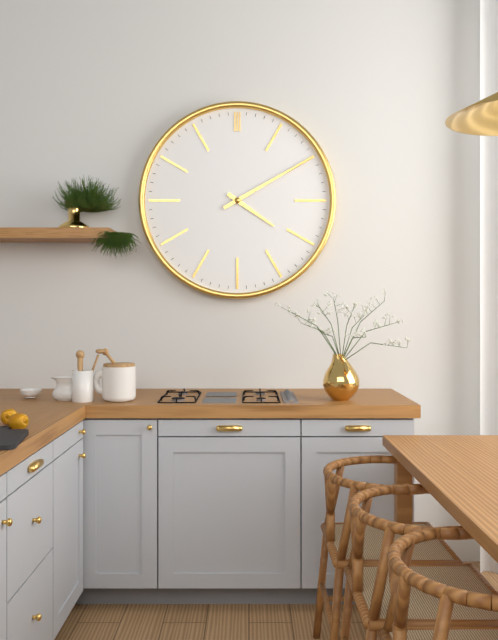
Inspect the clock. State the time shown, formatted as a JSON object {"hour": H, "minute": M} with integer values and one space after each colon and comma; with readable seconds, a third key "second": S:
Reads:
{"hour": 4, "minute": 10}
